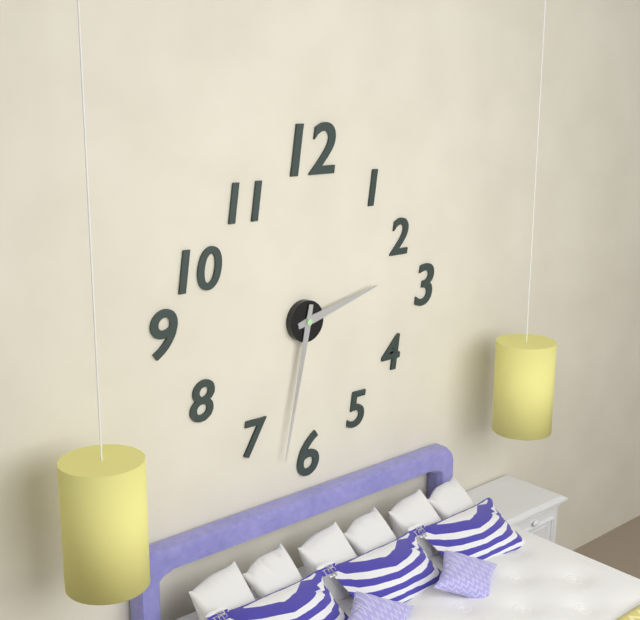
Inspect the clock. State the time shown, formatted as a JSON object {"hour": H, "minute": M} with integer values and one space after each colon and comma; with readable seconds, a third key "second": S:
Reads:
{"hour": 2, "minute": 32}
